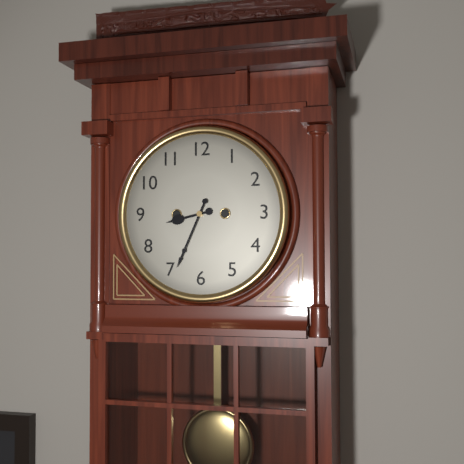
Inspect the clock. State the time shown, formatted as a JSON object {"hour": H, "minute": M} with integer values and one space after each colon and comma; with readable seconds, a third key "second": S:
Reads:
{"hour": 8, "minute": 34}
